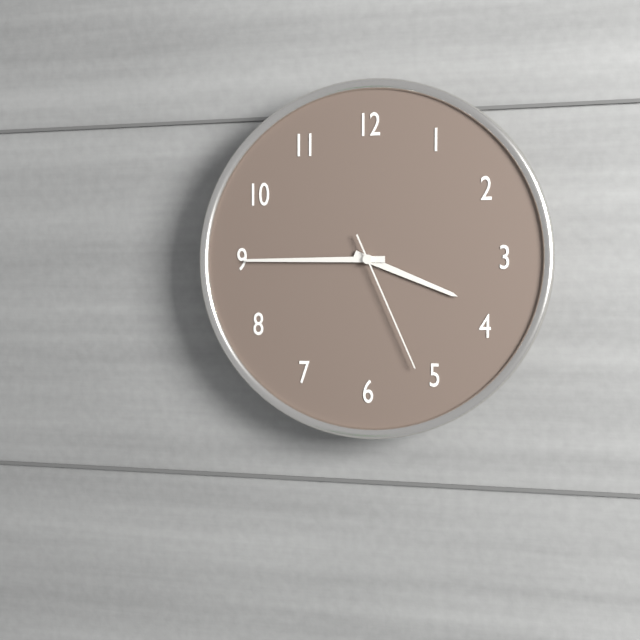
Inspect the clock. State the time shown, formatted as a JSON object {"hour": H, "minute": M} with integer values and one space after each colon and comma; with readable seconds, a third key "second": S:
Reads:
{"hour": 3, "minute": 45, "second": 26}
